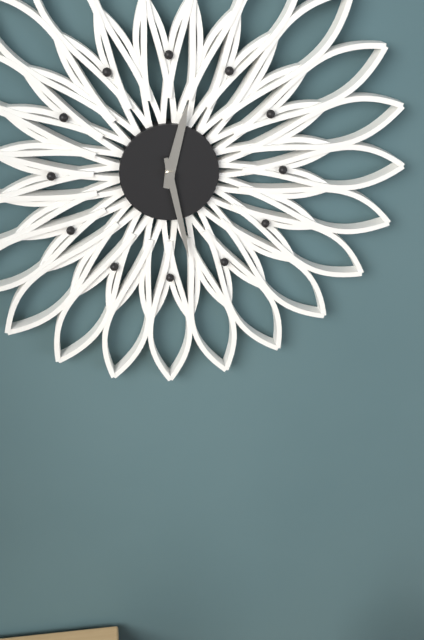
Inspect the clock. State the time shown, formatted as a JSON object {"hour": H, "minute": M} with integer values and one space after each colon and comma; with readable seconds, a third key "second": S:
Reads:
{"hour": 12, "minute": 28}
